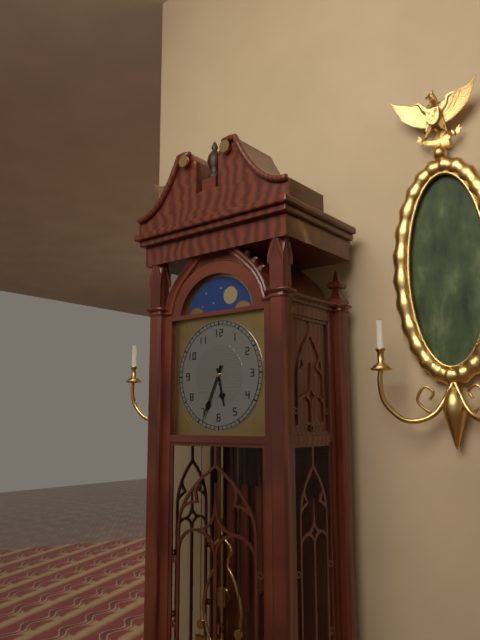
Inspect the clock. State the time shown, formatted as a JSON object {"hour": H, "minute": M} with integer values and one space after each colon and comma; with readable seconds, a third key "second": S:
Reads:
{"hour": 5, "minute": 34}
